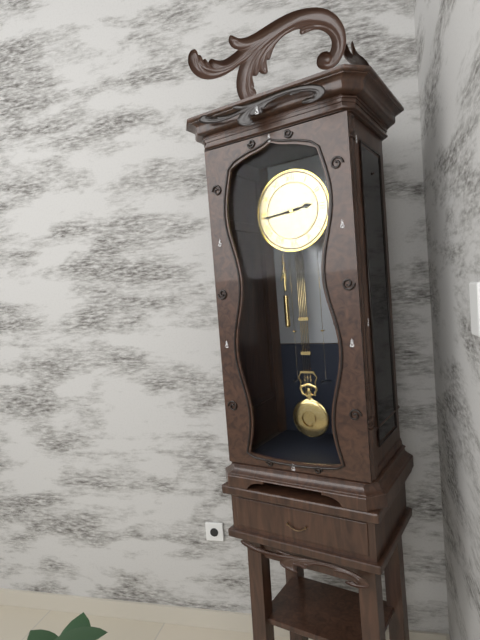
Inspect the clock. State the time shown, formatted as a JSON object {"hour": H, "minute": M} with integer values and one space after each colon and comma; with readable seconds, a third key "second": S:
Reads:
{"hour": 2, "minute": 44}
